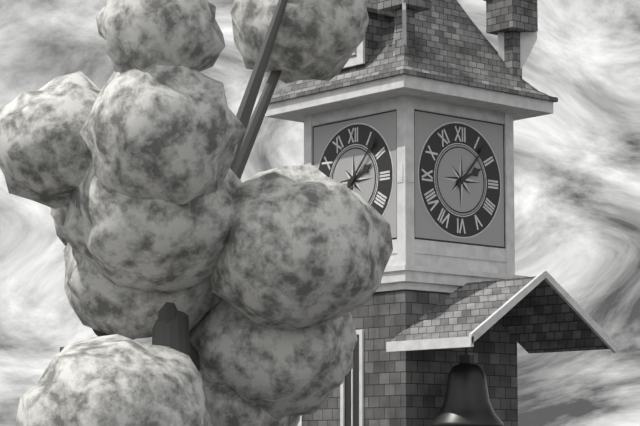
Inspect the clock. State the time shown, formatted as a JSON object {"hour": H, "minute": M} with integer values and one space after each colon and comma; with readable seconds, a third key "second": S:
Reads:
{"hour": 2, "minute": 7}
